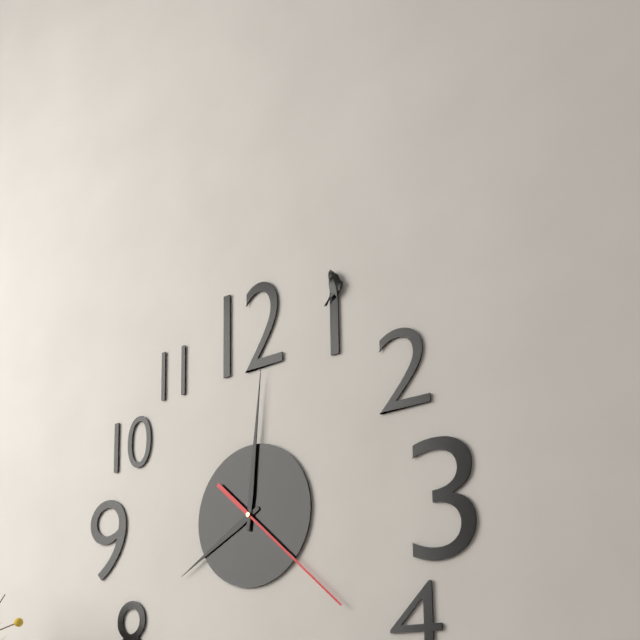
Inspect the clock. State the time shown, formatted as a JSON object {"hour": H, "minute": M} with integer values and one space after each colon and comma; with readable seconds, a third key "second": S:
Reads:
{"hour": 8, "minute": 1, "second": 22}
